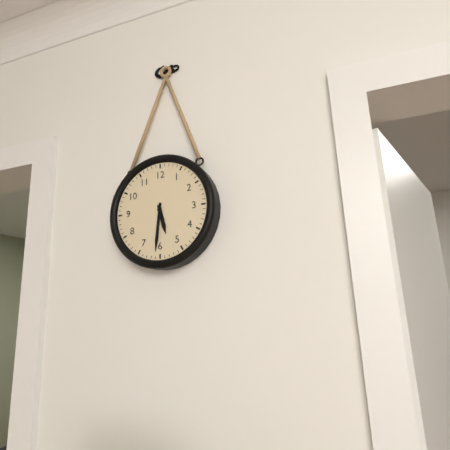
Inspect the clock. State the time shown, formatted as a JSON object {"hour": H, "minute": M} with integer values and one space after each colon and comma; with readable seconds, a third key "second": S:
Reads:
{"hour": 5, "minute": 31}
